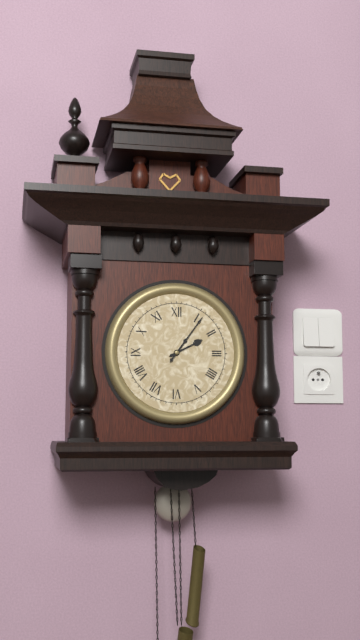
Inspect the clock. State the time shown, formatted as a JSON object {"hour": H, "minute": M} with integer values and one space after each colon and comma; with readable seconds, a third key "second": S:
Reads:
{"hour": 2, "minute": 6}
